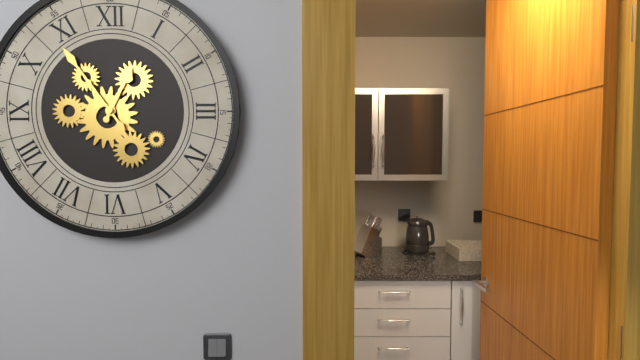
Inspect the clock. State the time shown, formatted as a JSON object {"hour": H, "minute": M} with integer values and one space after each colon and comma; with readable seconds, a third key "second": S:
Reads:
{"hour": 12, "minute": 54}
